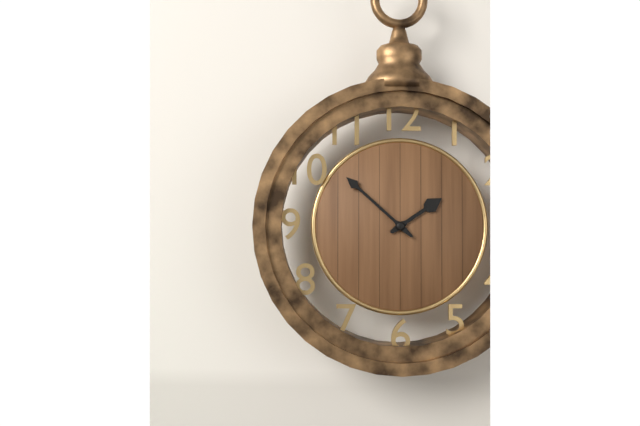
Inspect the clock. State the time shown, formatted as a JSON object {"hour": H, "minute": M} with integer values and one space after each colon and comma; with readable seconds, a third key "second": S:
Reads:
{"hour": 1, "minute": 52}
